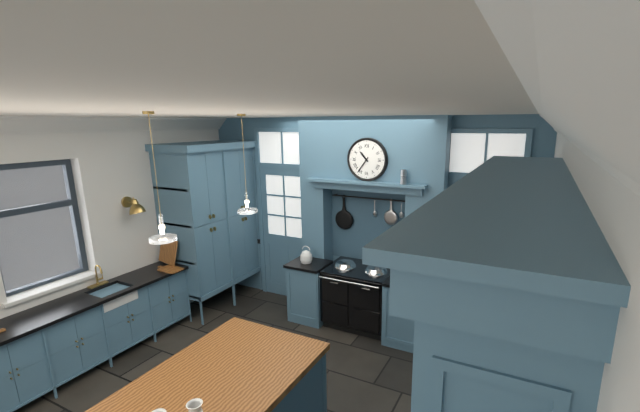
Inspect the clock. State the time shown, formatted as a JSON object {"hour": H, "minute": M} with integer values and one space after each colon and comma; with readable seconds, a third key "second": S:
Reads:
{"hour": 10, "minute": 36}
